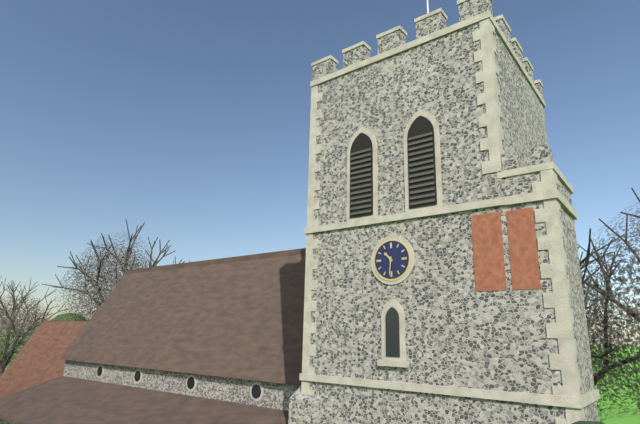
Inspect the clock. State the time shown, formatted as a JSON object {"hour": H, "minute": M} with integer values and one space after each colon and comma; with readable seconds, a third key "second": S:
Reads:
{"hour": 10, "minute": 31}
